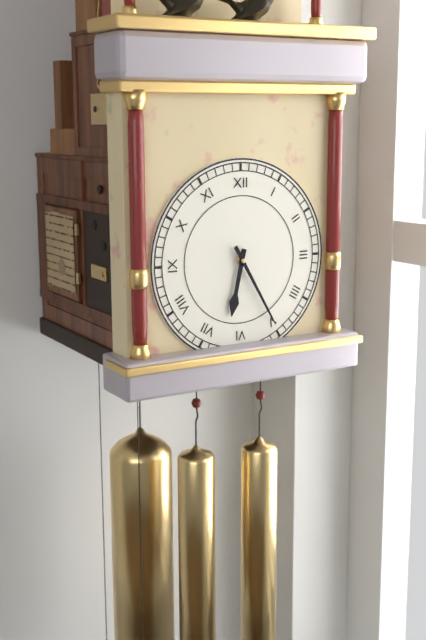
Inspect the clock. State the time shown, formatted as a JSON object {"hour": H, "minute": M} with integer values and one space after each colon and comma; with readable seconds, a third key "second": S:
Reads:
{"hour": 6, "minute": 25}
